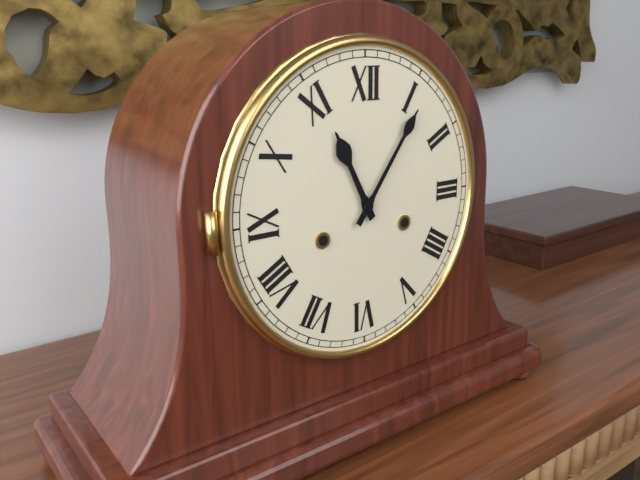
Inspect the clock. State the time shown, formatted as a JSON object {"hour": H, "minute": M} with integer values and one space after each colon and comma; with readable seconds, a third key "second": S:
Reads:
{"hour": 11, "minute": 6}
